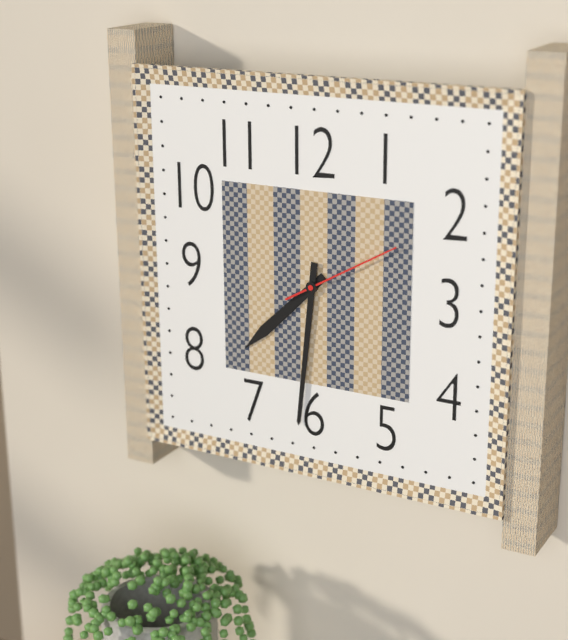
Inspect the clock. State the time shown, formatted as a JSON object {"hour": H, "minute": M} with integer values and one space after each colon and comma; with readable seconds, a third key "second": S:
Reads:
{"hour": 7, "minute": 31, "second": 10}
